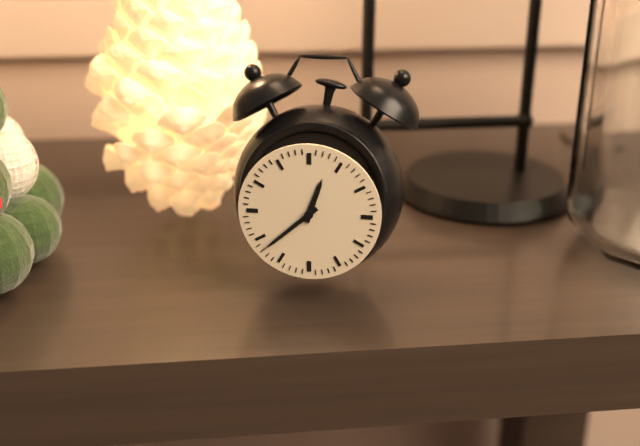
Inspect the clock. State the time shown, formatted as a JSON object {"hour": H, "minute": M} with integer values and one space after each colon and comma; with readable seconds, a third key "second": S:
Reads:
{"hour": 12, "minute": 38}
